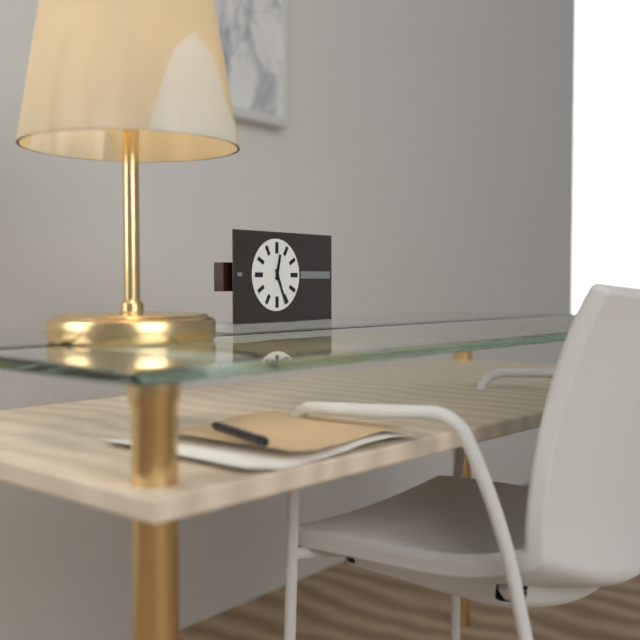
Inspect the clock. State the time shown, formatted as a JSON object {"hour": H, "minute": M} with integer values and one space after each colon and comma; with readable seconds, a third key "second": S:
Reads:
{"hour": 12, "minute": 26}
